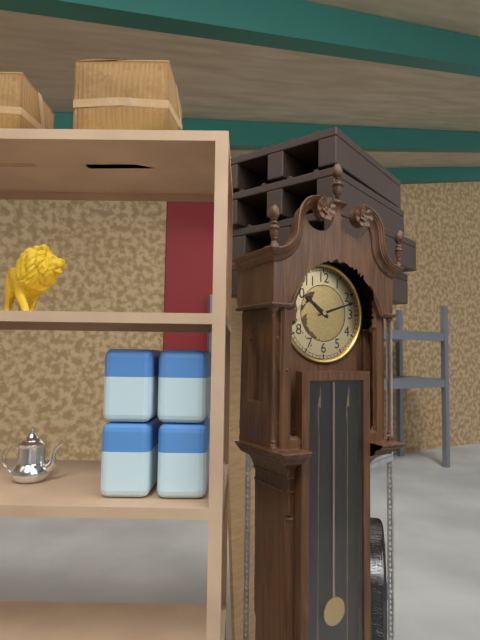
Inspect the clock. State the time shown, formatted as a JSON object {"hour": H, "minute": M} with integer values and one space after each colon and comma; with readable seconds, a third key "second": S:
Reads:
{"hour": 10, "minute": 12}
